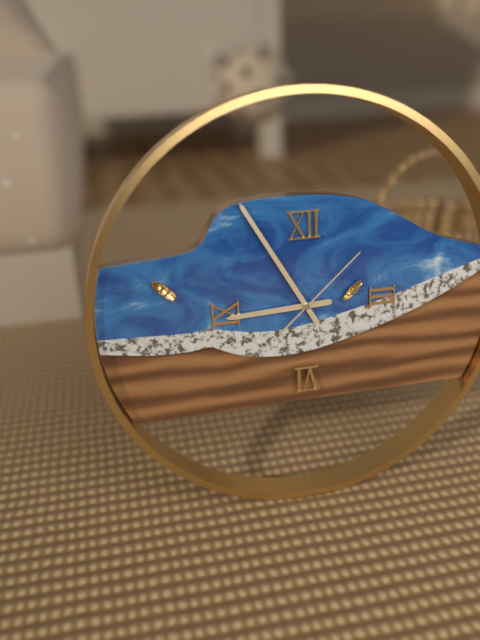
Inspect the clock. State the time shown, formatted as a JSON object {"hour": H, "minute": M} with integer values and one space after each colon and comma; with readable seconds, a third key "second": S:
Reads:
{"hour": 8, "minute": 55, "second": 8}
